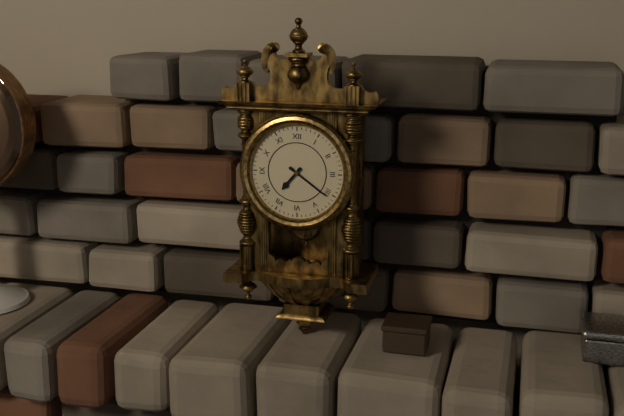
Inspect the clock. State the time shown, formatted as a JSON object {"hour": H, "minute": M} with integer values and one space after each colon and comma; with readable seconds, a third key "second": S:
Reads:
{"hour": 7, "minute": 21}
